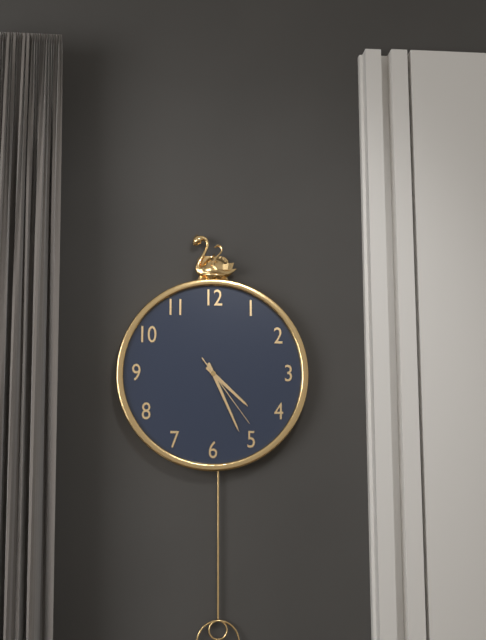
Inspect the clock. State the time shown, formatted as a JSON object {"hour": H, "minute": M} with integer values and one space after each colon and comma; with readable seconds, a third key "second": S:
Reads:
{"hour": 4, "minute": 26, "second": 24}
